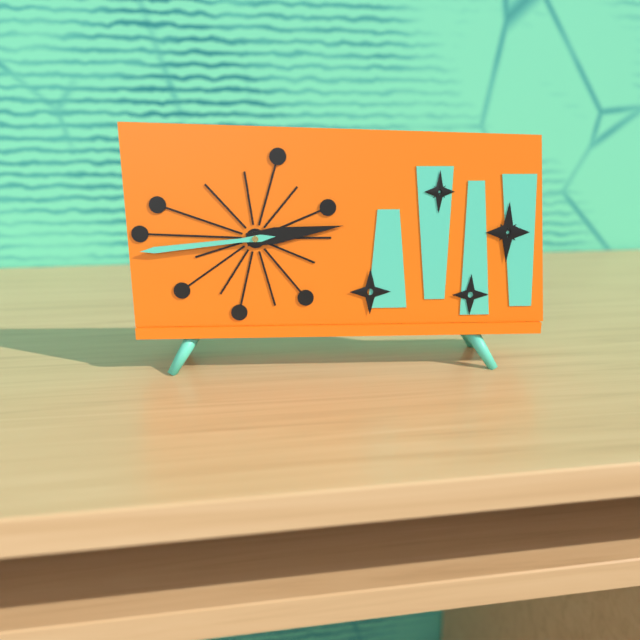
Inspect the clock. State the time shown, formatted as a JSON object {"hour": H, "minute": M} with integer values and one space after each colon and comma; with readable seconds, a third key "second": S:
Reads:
{"hour": 2, "minute": 44}
